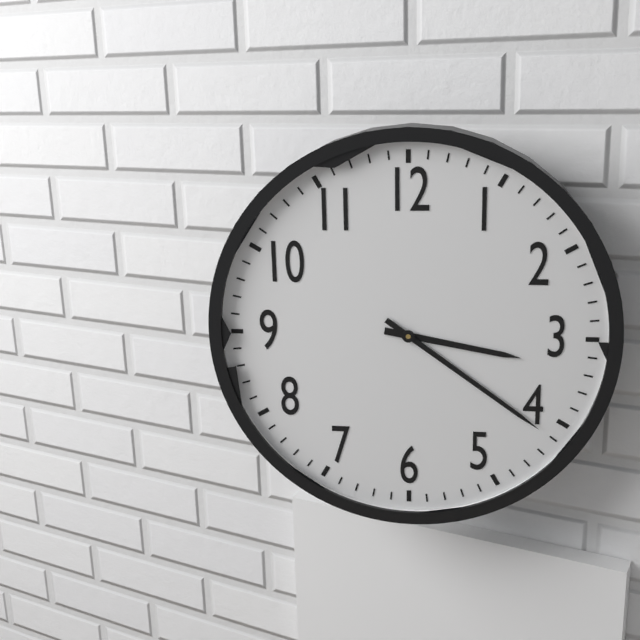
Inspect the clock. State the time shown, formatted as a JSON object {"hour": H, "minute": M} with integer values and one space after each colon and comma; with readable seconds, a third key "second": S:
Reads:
{"hour": 3, "minute": 21}
